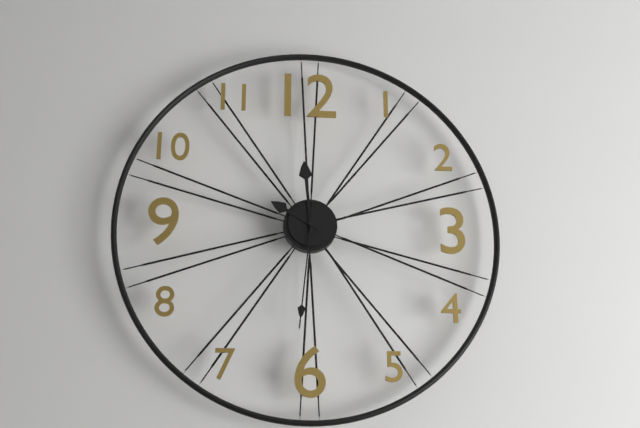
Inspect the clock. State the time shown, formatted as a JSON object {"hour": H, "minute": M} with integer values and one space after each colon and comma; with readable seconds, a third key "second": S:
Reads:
{"hour": 9, "minute": 59, "second": 31}
